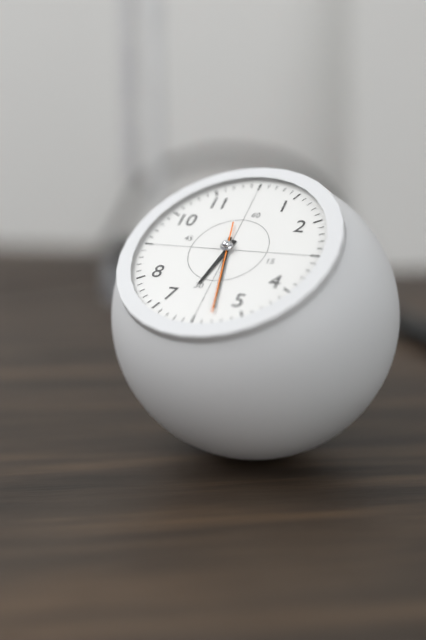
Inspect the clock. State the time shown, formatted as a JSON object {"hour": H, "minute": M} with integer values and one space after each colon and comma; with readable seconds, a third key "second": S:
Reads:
{"hour": 6, "minute": 28, "second": 28}
